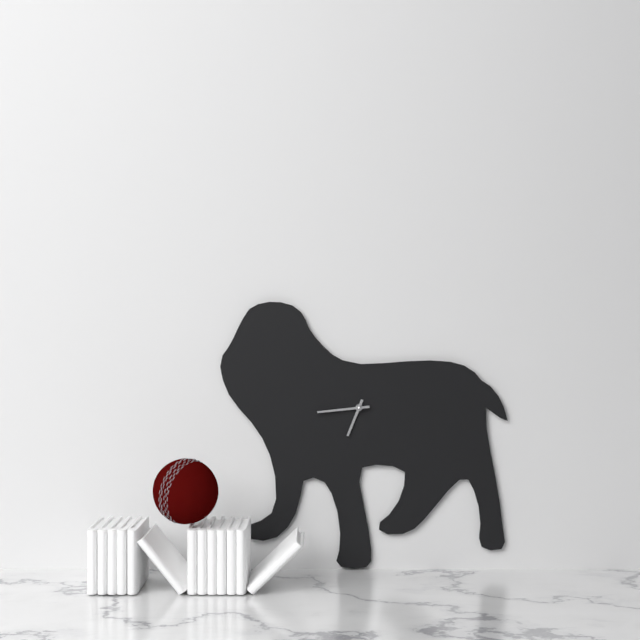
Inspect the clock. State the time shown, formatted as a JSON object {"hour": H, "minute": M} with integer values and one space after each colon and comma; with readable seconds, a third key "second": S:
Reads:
{"hour": 6, "minute": 44}
